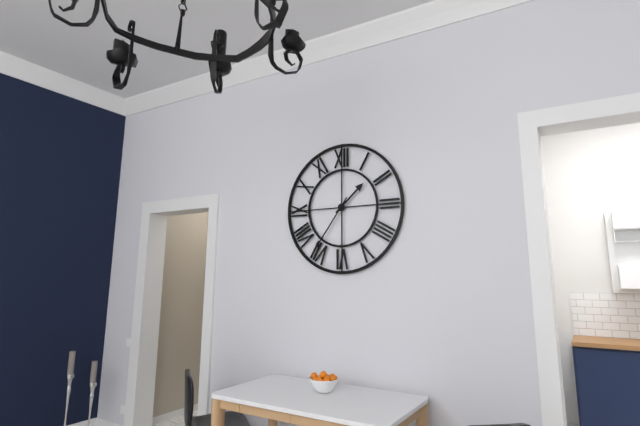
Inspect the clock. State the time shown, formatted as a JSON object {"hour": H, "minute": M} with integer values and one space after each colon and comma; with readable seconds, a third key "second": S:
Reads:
{"hour": 1, "minute": 36}
